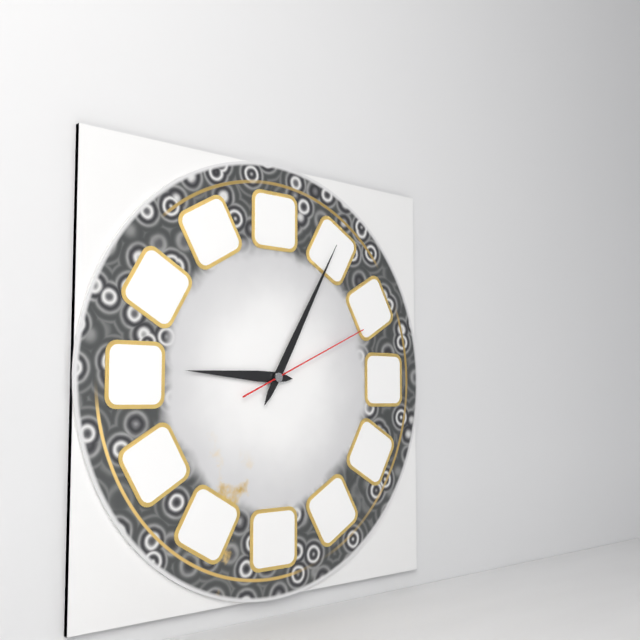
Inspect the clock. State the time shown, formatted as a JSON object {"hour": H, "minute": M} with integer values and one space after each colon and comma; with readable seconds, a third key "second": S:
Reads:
{"hour": 9, "minute": 5, "second": 11}
